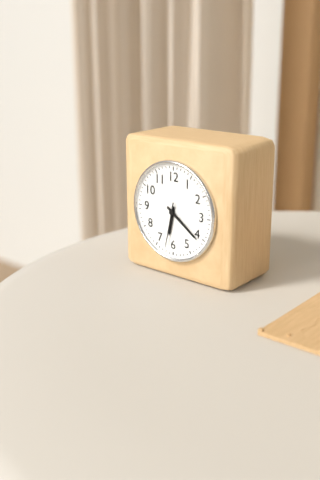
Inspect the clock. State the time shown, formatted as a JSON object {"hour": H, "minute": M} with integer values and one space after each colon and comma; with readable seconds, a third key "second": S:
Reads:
{"hour": 6, "minute": 21}
